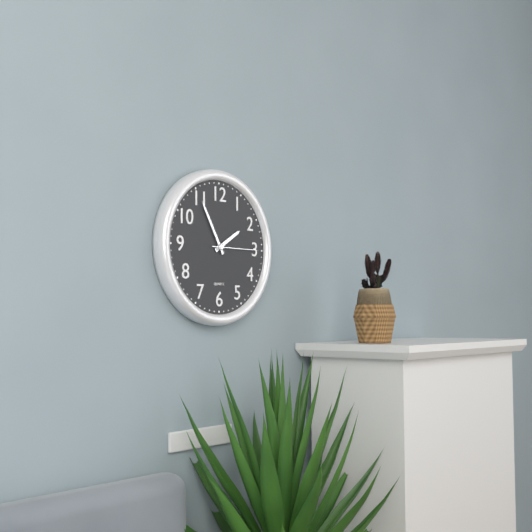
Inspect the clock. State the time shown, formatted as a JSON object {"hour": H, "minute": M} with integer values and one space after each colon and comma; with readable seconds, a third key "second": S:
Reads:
{"hour": 1, "minute": 55}
